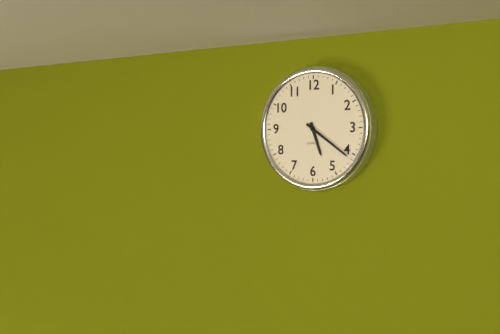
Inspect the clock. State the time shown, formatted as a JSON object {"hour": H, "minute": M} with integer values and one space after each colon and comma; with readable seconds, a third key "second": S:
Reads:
{"hour": 5, "minute": 21}
